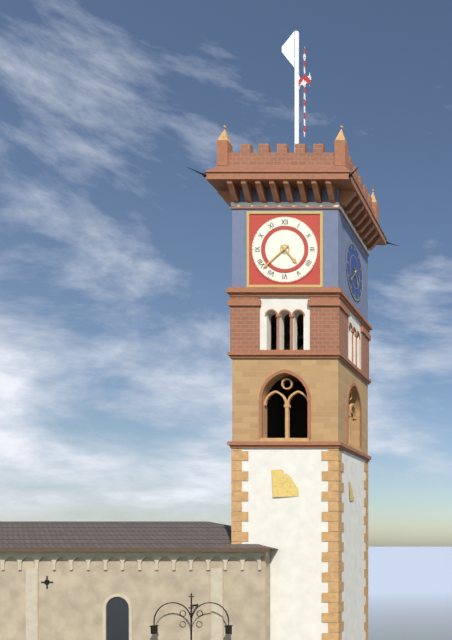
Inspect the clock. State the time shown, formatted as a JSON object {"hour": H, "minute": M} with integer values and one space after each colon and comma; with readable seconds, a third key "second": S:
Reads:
{"hour": 4, "minute": 38}
